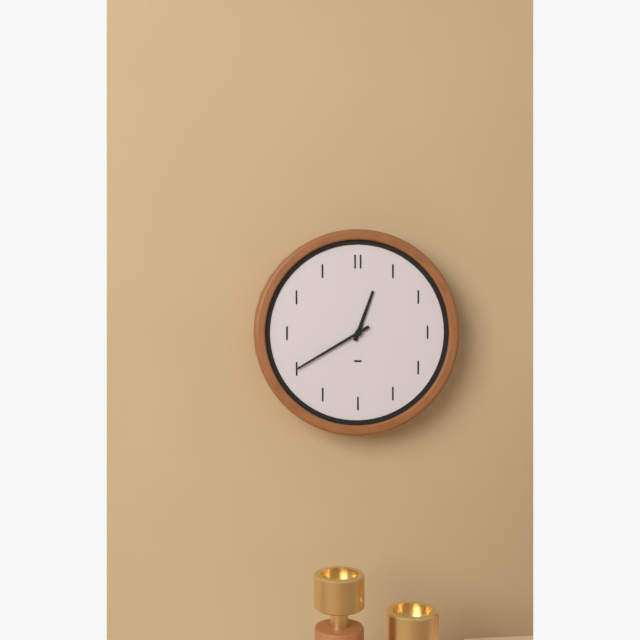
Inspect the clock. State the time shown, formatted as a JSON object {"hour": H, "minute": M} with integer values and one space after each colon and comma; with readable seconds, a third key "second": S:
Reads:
{"hour": 12, "minute": 40}
